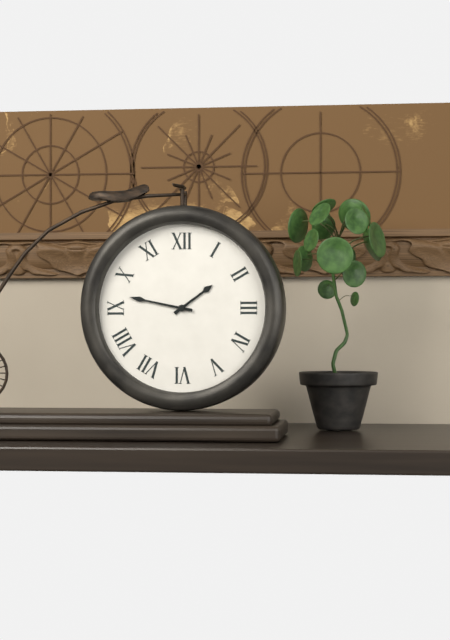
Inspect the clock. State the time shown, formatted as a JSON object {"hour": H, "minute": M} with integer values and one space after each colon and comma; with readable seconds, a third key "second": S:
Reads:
{"hour": 1, "minute": 47}
